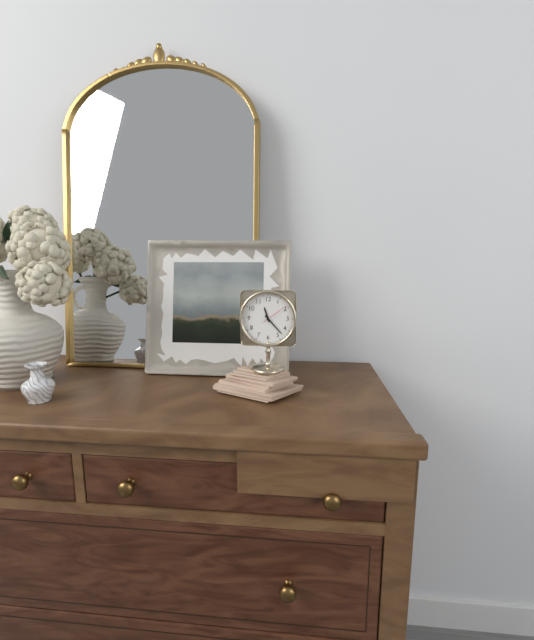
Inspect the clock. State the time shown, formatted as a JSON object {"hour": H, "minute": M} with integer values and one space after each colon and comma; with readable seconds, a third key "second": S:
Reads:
{"hour": 11, "minute": 23}
